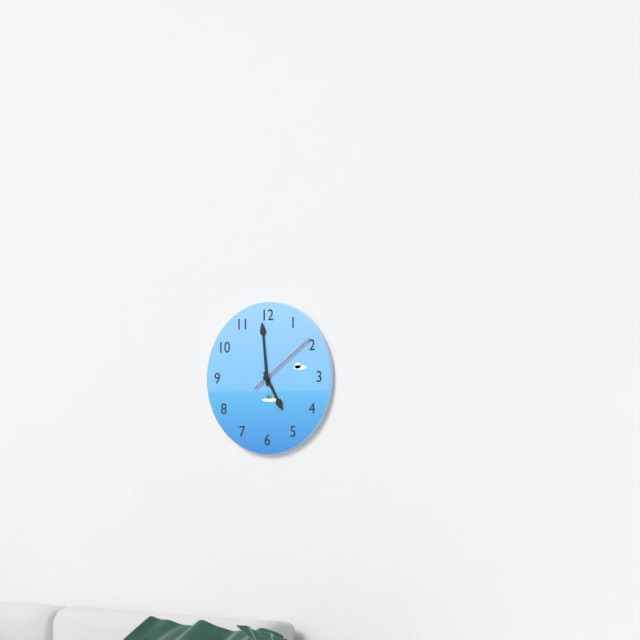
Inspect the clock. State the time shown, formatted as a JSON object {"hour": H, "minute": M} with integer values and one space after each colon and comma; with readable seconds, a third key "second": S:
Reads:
{"hour": 4, "minute": 59, "second": 9}
